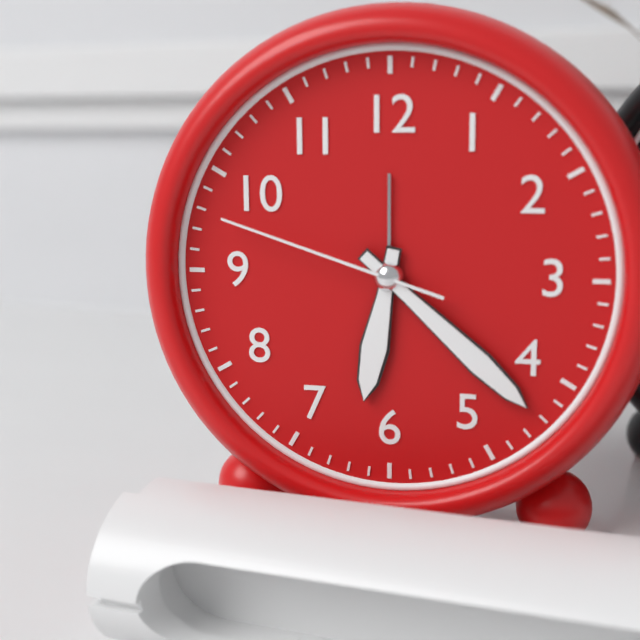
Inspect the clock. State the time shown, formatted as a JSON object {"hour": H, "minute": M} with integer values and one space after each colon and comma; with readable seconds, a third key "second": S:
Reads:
{"hour": 6, "minute": 22, "second": 48}
